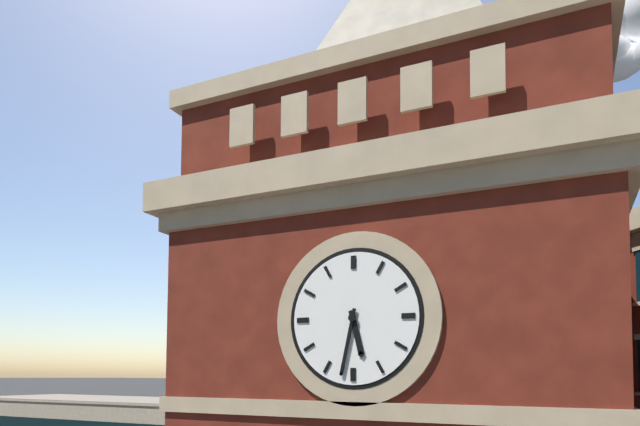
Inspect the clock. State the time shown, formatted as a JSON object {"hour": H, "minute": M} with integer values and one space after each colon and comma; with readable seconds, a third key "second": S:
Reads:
{"hour": 5, "minute": 32}
